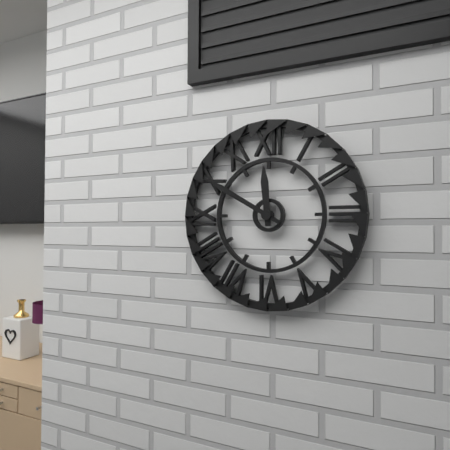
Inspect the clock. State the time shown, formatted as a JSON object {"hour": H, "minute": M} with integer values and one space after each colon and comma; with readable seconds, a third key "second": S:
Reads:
{"hour": 11, "minute": 50}
